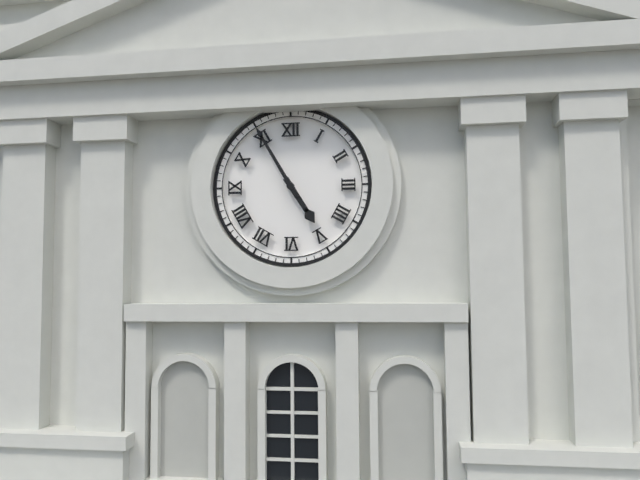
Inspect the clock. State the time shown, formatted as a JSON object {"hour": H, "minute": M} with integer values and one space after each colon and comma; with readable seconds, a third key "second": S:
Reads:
{"hour": 4, "minute": 55}
